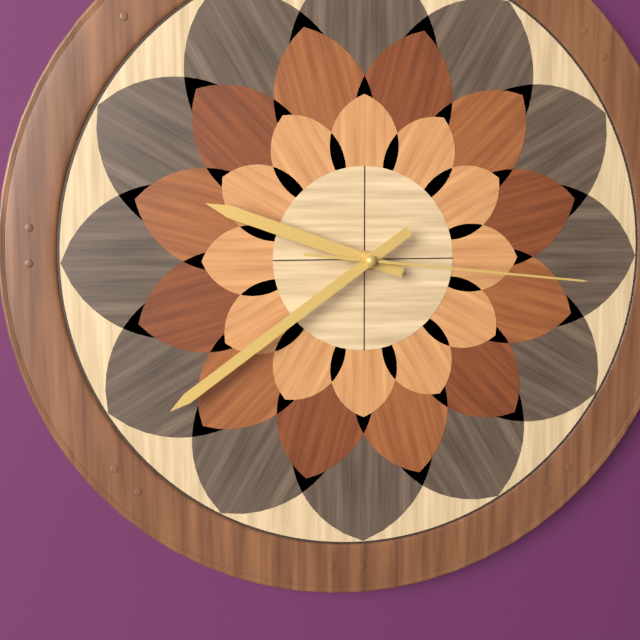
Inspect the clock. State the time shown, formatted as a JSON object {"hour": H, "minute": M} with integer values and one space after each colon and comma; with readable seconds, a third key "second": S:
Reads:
{"hour": 9, "minute": 39, "second": 16}
